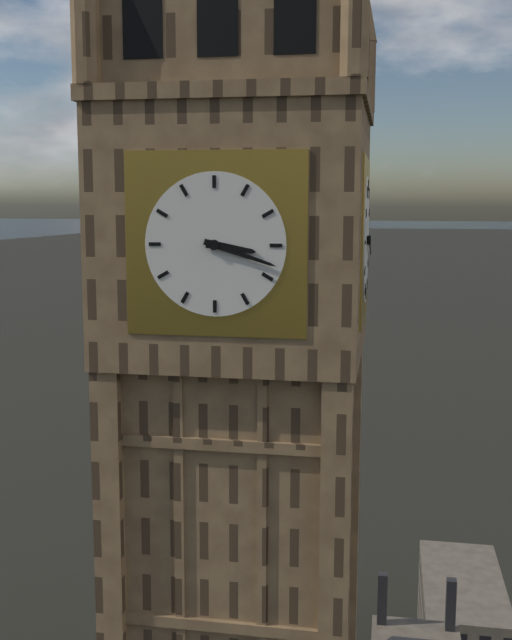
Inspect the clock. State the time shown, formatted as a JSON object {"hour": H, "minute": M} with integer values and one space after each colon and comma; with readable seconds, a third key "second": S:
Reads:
{"hour": 3, "minute": 18}
